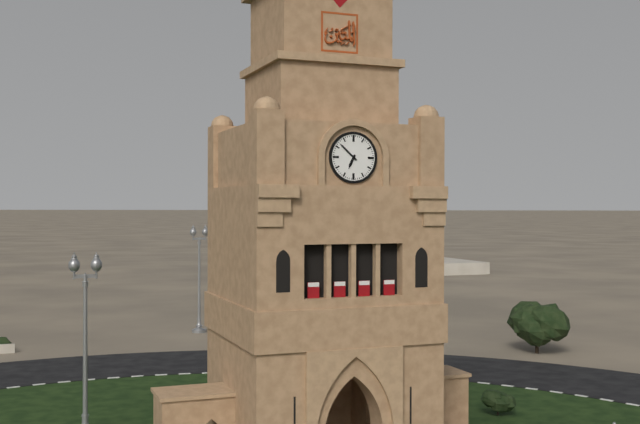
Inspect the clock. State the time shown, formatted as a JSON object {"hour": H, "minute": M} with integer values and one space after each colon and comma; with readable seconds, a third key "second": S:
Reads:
{"hour": 6, "minute": 52}
